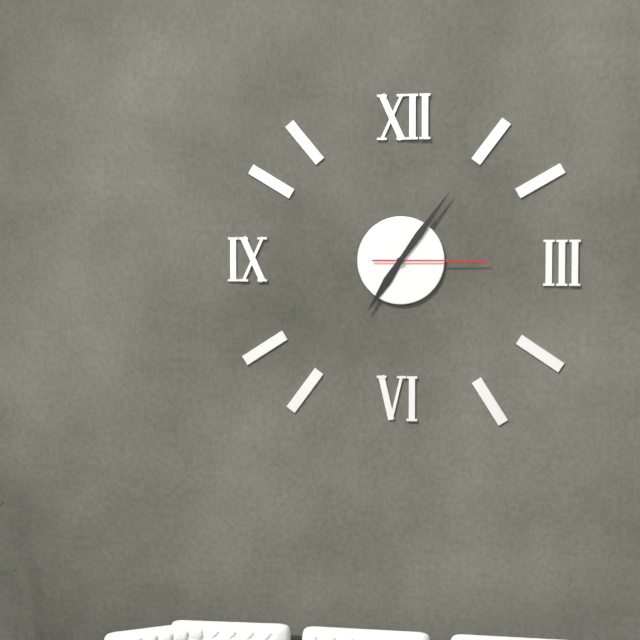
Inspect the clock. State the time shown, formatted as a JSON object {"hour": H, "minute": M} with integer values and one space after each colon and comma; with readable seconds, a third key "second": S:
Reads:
{"hour": 7, "minute": 6, "second": 15}
